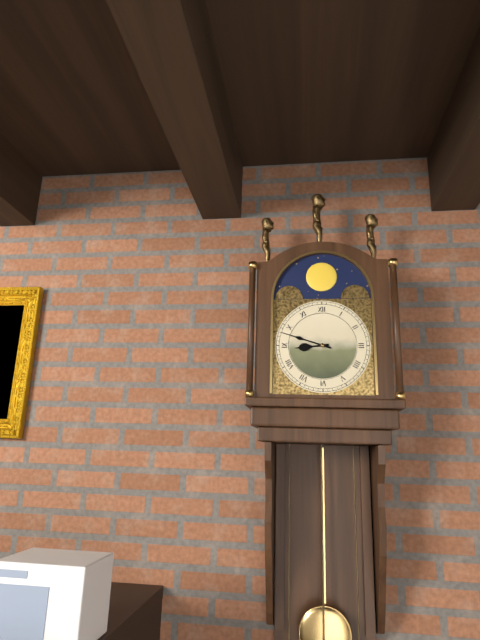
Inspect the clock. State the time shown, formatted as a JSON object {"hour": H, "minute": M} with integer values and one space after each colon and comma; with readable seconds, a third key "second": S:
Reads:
{"hour": 8, "minute": 48}
